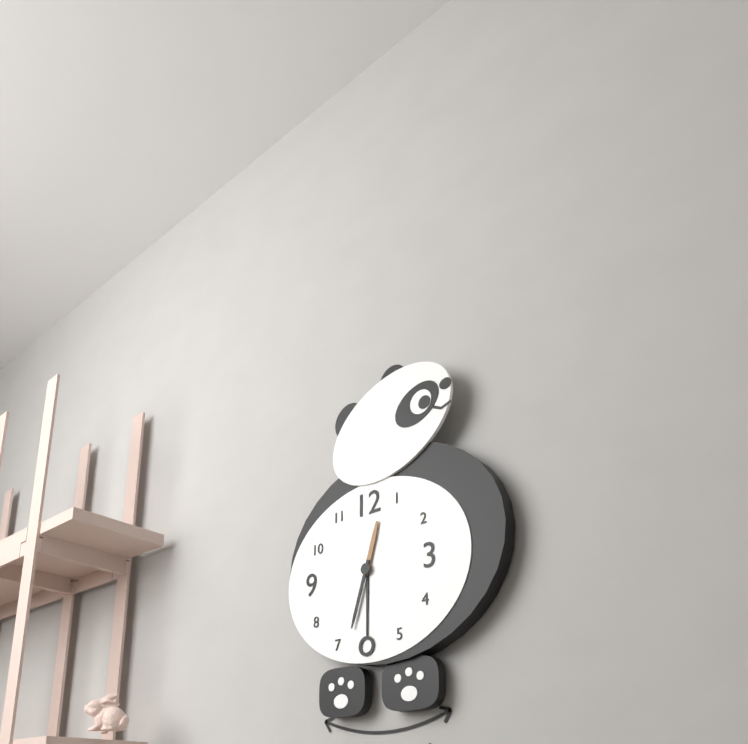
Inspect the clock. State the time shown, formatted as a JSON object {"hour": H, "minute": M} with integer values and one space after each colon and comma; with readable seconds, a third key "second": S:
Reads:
{"hour": 12, "minute": 33}
